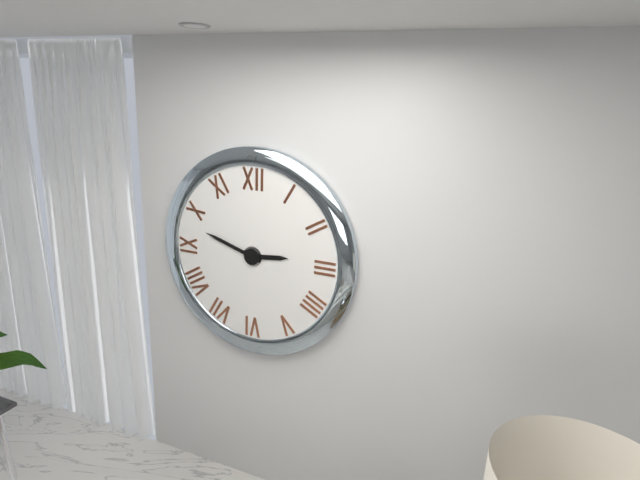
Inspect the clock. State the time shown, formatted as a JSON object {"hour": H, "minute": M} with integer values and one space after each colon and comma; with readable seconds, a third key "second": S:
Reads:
{"hour": 2, "minute": 48}
